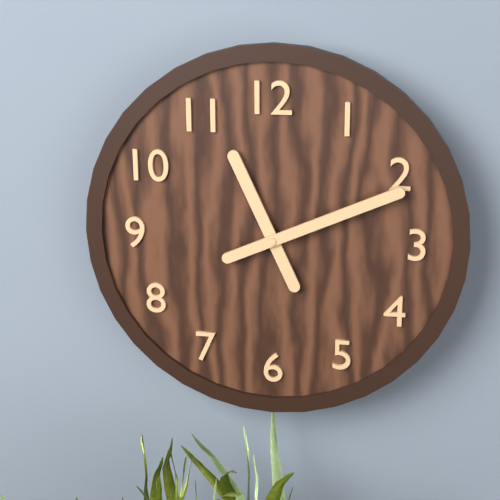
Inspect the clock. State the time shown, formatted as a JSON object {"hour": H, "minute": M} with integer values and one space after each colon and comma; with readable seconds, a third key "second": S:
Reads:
{"hour": 11, "minute": 11}
